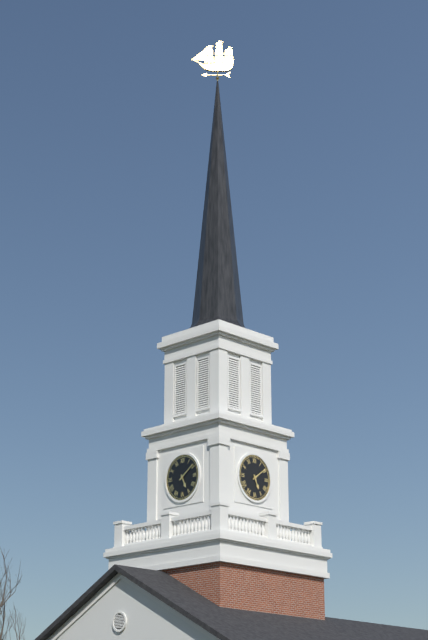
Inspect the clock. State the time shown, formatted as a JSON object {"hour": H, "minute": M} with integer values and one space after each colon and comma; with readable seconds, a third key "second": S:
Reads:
{"hour": 5, "minute": 9}
